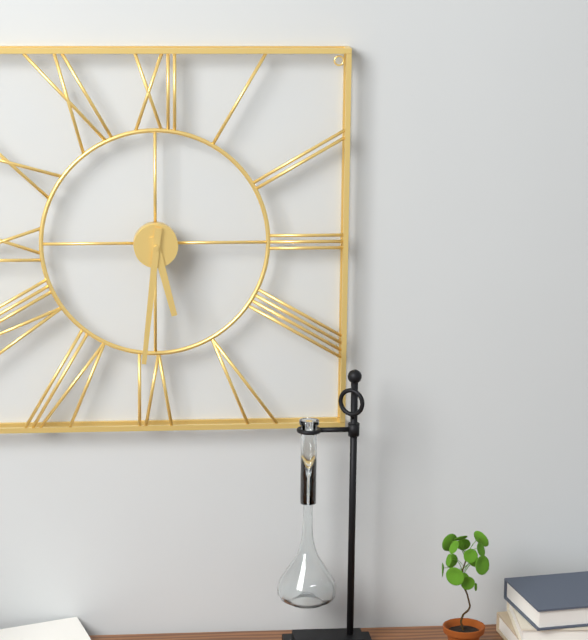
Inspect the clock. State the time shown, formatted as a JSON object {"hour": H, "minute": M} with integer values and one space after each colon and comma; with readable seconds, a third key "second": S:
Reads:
{"hour": 5, "minute": 31}
